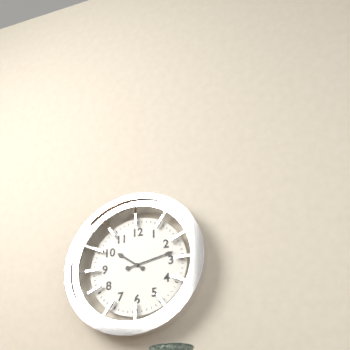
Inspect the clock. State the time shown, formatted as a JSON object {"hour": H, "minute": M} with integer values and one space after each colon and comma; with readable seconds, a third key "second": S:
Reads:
{"hour": 10, "minute": 13}
